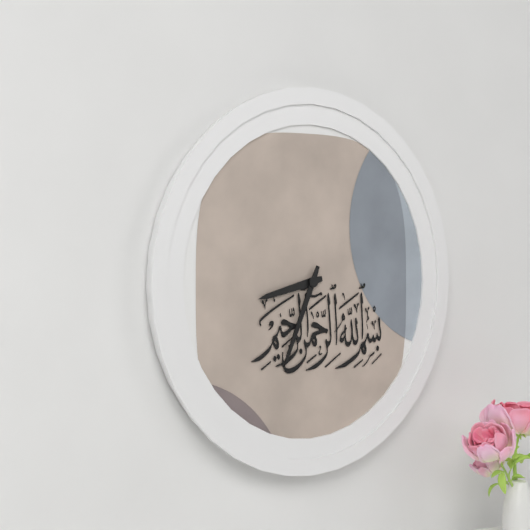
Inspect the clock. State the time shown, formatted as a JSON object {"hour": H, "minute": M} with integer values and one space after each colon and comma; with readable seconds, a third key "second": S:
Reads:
{"hour": 8, "minute": 34}
